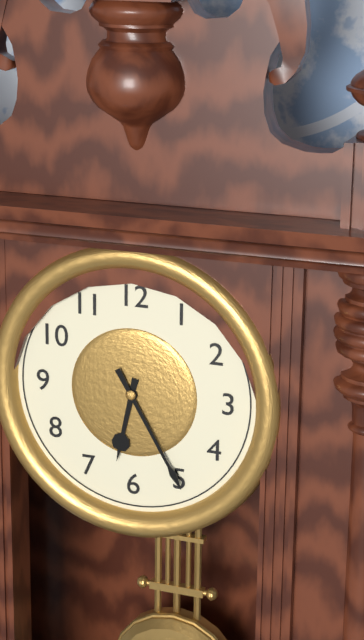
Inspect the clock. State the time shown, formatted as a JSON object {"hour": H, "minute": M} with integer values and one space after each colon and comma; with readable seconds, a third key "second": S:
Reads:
{"hour": 6, "minute": 25}
